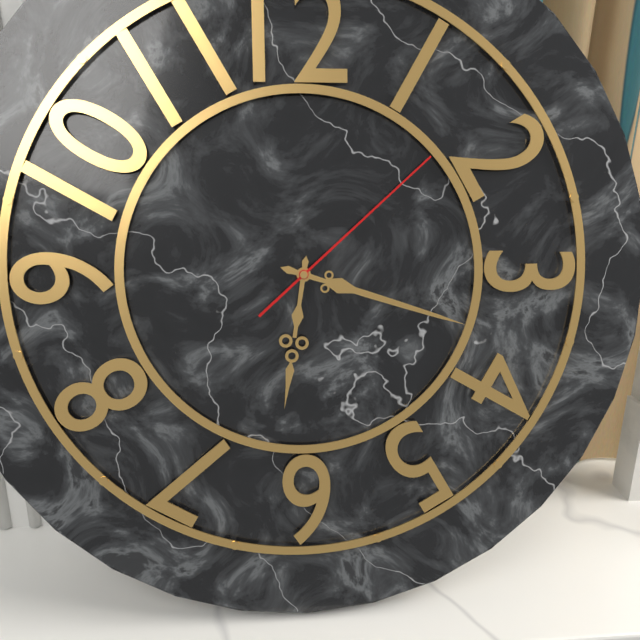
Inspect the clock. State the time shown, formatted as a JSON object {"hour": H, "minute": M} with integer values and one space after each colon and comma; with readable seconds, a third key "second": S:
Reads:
{"hour": 6, "minute": 18, "second": 8}
